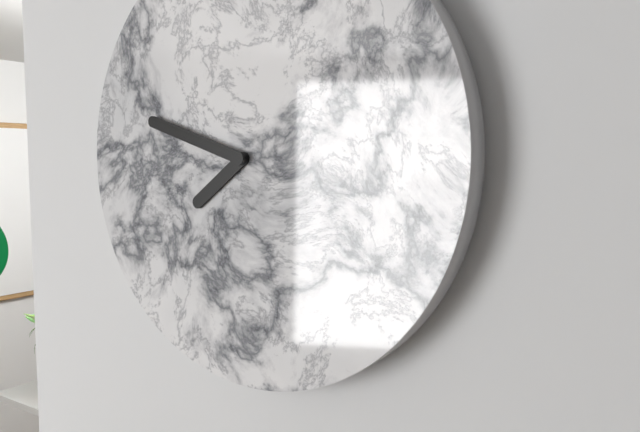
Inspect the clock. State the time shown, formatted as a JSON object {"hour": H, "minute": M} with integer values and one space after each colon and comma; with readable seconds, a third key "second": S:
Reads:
{"hour": 7, "minute": 48}
